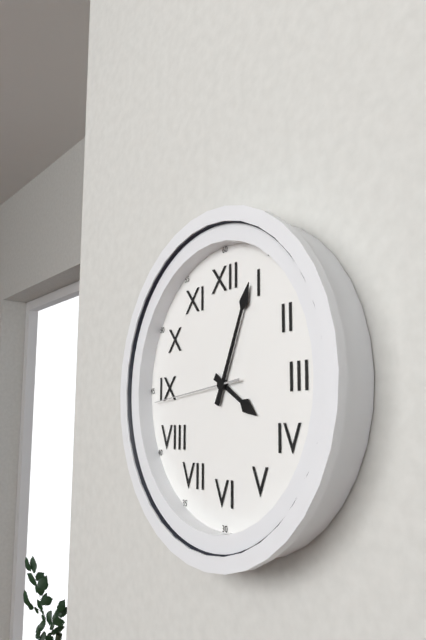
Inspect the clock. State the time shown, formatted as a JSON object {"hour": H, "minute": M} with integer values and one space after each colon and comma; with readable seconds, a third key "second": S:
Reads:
{"hour": 4, "minute": 4, "second": 44}
